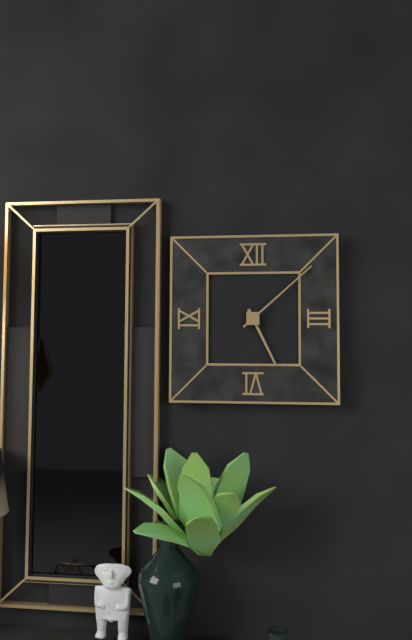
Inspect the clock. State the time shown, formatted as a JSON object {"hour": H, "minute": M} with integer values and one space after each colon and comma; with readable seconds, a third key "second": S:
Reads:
{"hour": 5, "minute": 8}
